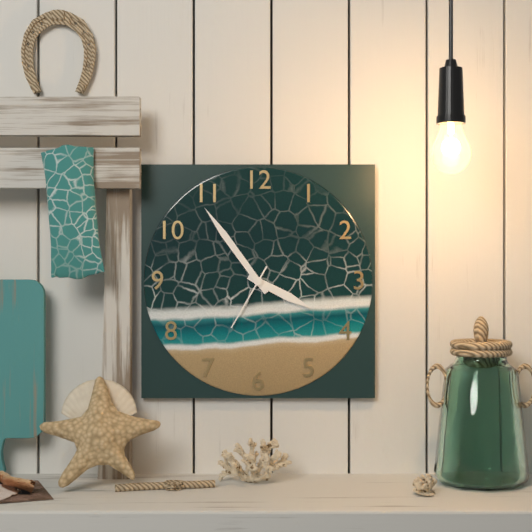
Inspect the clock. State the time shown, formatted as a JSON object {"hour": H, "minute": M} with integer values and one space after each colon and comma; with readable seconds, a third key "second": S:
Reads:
{"hour": 3, "minute": 54, "second": 35}
